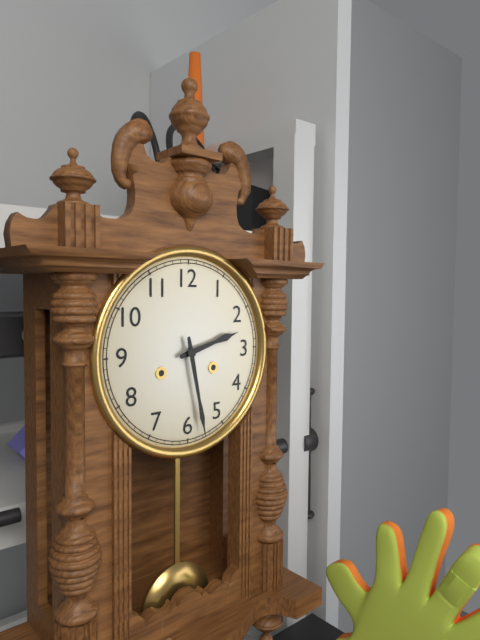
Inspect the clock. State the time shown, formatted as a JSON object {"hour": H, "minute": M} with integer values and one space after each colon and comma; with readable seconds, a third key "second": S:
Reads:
{"hour": 2, "minute": 28}
